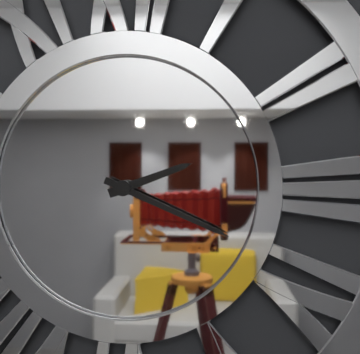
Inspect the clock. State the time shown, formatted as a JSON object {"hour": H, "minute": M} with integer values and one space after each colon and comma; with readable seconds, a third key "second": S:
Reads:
{"hour": 2, "minute": 19}
